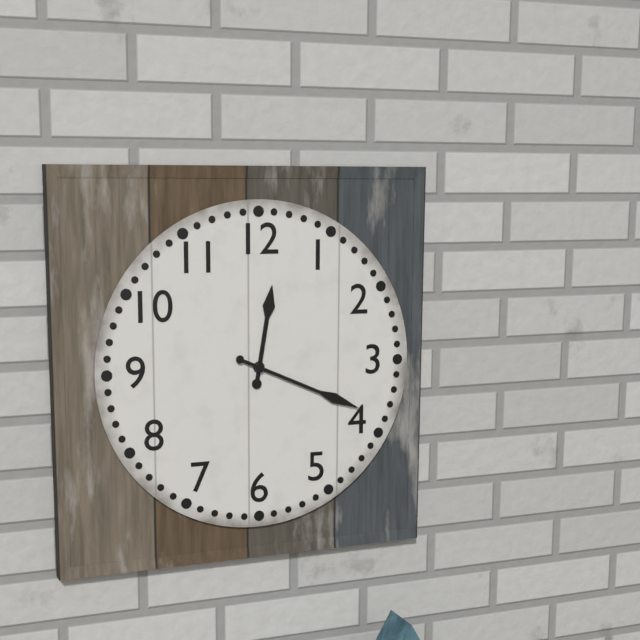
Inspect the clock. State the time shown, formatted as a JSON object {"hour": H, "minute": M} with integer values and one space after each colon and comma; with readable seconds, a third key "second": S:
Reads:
{"hour": 12, "minute": 19}
